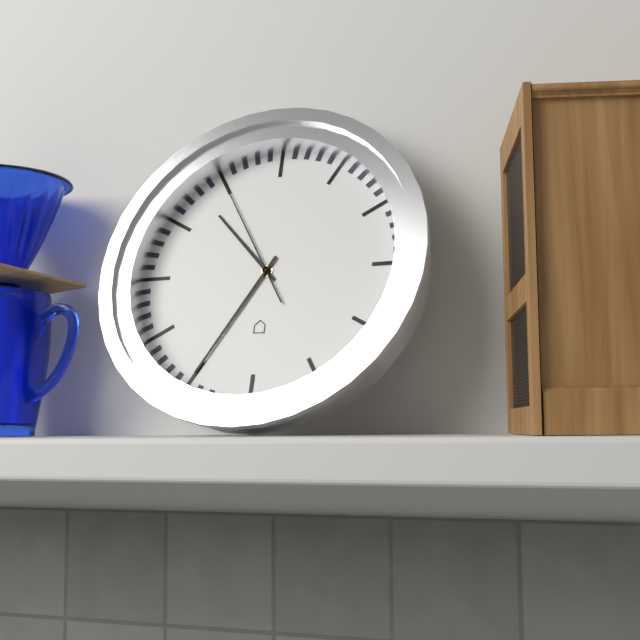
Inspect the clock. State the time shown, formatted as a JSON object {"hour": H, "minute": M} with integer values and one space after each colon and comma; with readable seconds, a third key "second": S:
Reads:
{"hour": 10, "minute": 35, "second": 55}
